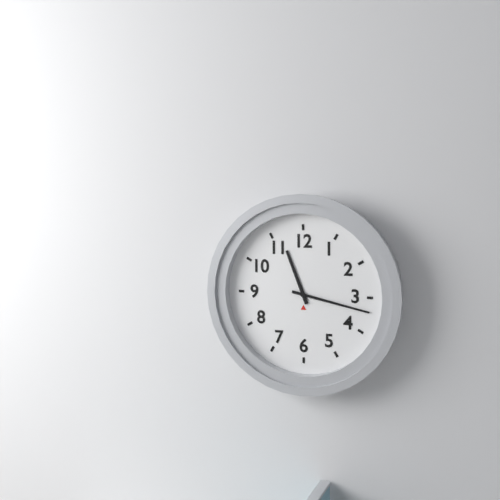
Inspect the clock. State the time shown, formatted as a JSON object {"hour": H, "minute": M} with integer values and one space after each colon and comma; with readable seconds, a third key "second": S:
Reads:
{"hour": 11, "minute": 17}
